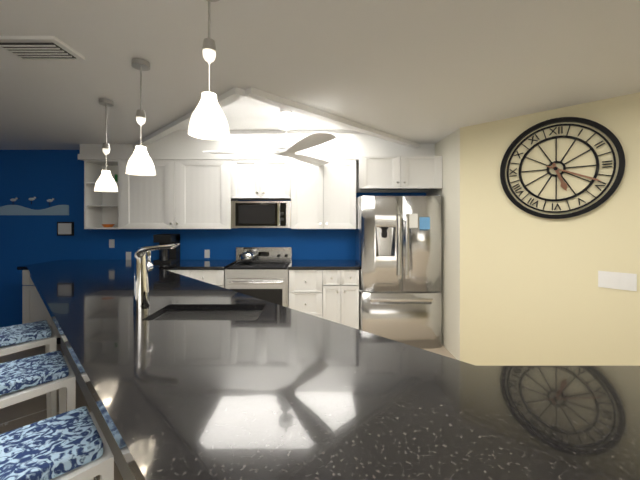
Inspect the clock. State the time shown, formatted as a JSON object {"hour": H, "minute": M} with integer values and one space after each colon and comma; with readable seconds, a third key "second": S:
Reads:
{"hour": 5, "minute": 19}
